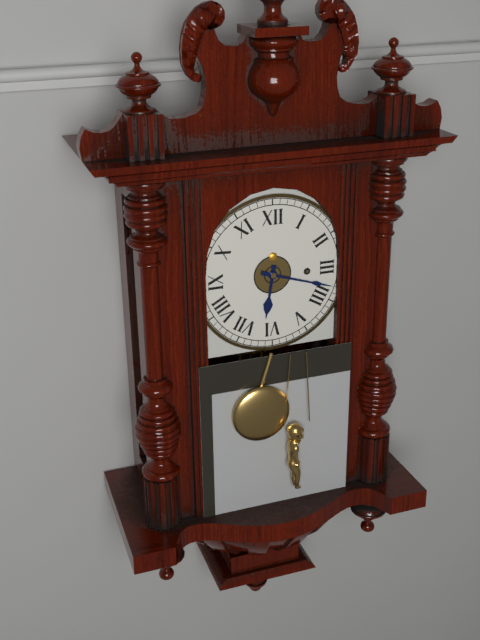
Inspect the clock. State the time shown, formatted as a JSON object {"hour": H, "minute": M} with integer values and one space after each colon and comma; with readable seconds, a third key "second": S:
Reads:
{"hour": 6, "minute": 18}
